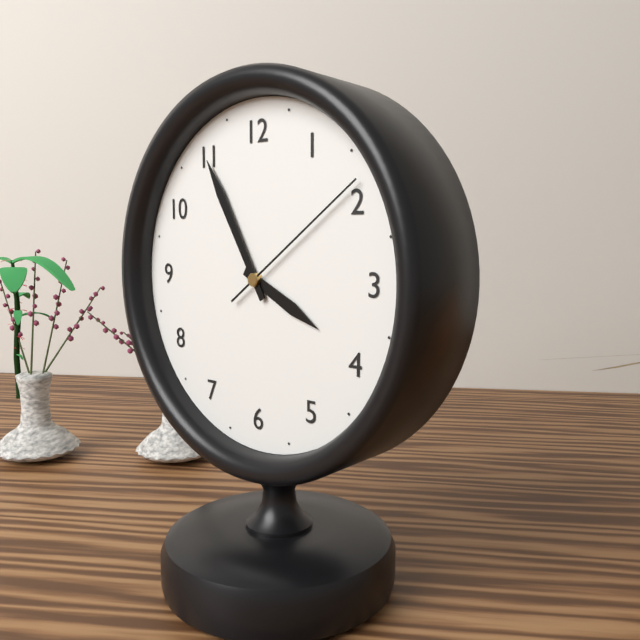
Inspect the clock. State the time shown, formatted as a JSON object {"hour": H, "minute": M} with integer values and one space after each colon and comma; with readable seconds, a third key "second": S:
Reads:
{"hour": 3, "minute": 55, "second": 9}
